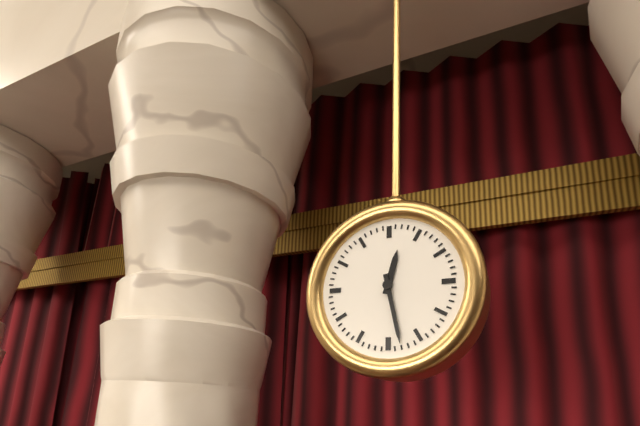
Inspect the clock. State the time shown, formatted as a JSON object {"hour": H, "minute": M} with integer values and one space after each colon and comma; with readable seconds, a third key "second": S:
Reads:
{"hour": 12, "minute": 28}
